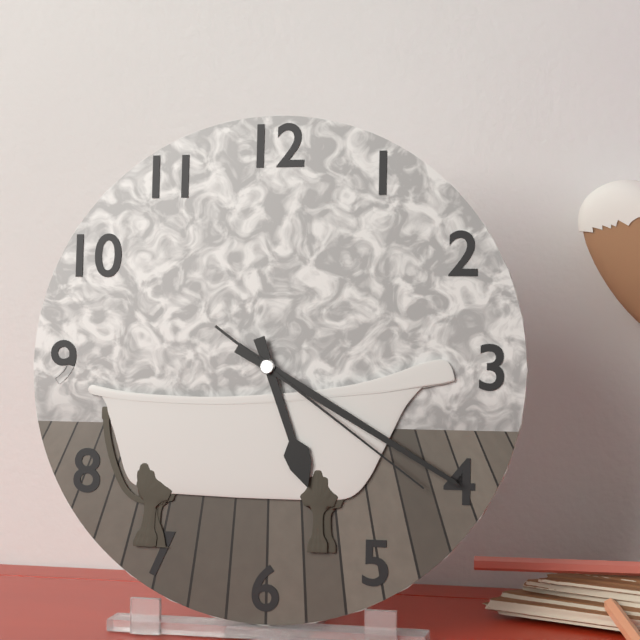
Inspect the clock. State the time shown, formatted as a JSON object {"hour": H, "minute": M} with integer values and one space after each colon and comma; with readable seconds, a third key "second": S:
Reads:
{"hour": 5, "minute": 20, "second": 21}
